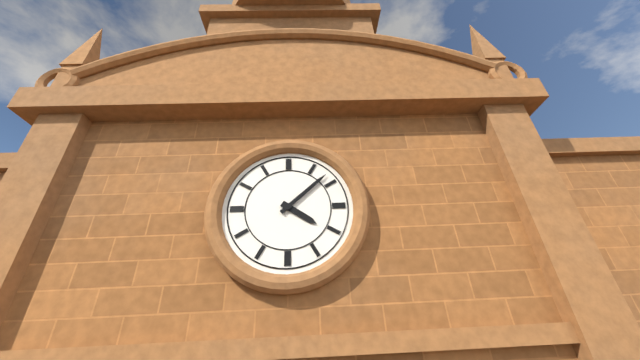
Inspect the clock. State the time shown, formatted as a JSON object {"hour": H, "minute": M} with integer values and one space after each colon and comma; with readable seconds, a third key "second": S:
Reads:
{"hour": 4, "minute": 8}
